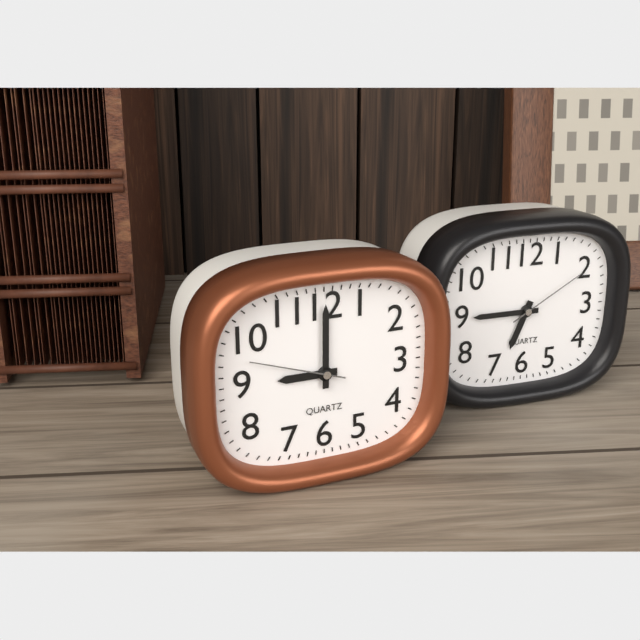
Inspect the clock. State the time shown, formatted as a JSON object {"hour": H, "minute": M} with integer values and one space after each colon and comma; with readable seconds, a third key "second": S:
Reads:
{"hour": 9, "minute": 0, "second": 48}
